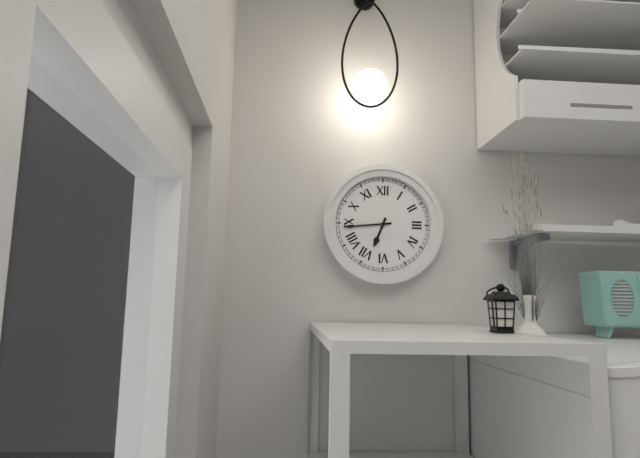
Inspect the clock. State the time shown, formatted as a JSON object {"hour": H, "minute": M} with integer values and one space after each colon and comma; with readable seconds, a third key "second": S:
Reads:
{"hour": 6, "minute": 44}
